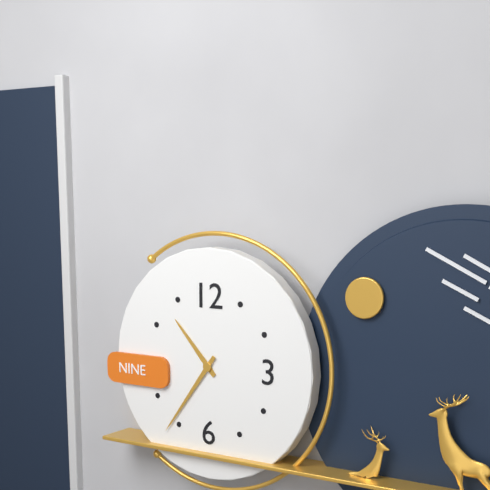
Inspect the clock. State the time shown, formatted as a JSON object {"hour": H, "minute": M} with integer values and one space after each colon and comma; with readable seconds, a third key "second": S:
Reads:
{"hour": 10, "minute": 36}
